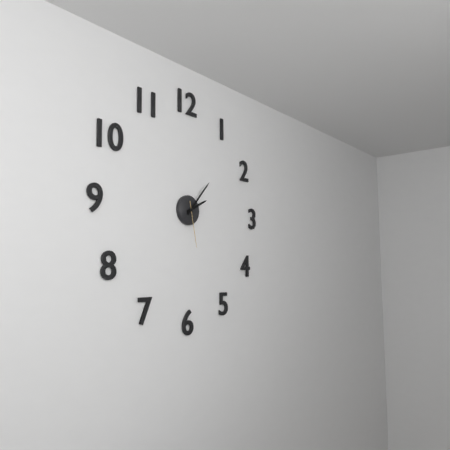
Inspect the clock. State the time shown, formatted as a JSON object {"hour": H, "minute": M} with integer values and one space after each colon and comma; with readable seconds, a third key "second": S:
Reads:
{"hour": 2, "minute": 7}
